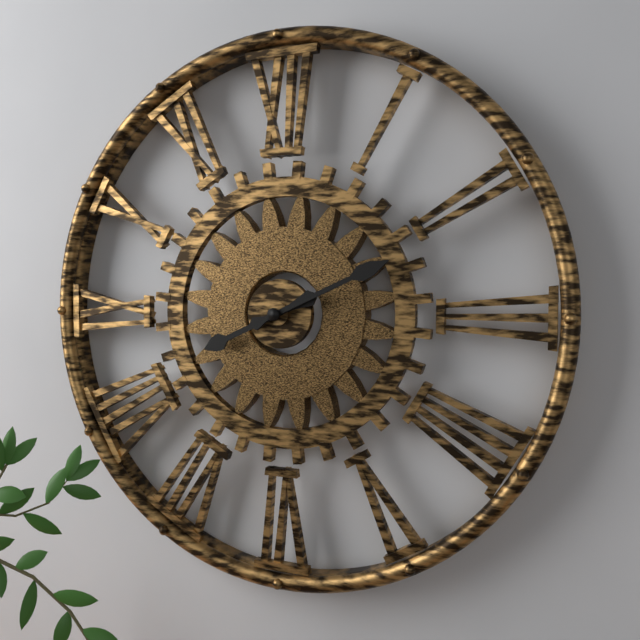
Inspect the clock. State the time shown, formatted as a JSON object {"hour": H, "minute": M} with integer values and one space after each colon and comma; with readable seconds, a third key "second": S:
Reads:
{"hour": 8, "minute": 11}
